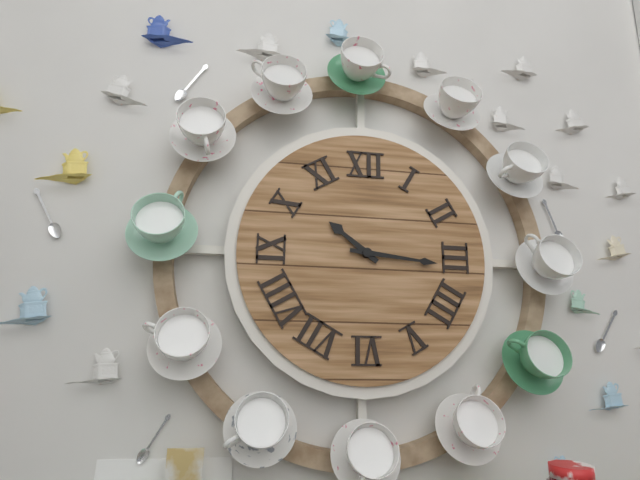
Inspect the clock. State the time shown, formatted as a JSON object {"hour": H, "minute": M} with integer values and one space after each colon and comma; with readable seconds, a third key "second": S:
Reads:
{"hour": 10, "minute": 16}
